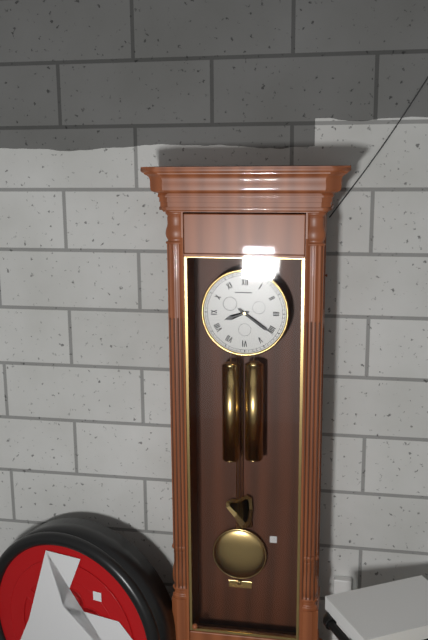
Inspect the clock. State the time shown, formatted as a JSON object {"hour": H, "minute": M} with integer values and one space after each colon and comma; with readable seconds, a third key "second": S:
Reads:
{"hour": 8, "minute": 21}
